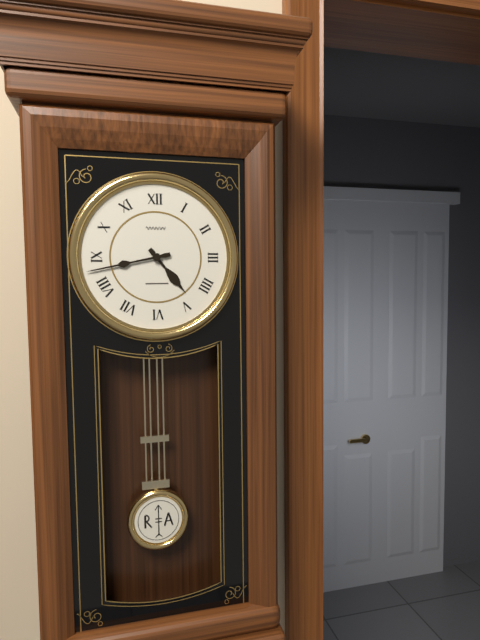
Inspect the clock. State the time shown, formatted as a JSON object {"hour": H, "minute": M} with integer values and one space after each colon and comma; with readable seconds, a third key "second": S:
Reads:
{"hour": 4, "minute": 43}
